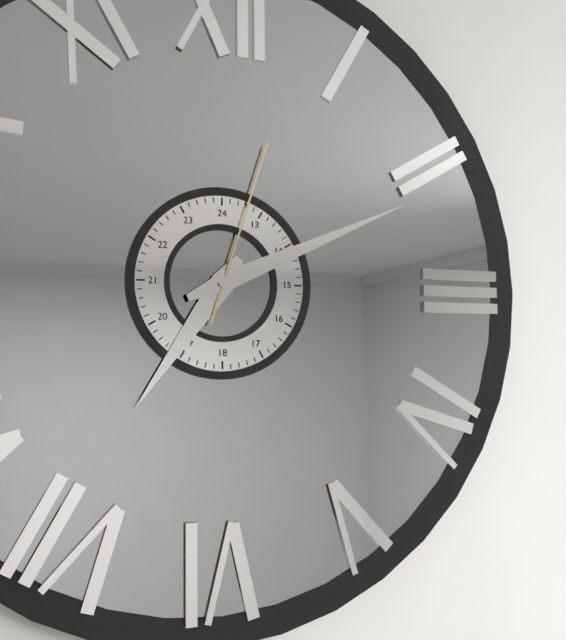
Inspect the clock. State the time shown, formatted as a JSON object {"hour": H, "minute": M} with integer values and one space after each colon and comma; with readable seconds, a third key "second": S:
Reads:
{"hour": 7, "minute": 11, "second": 3}
